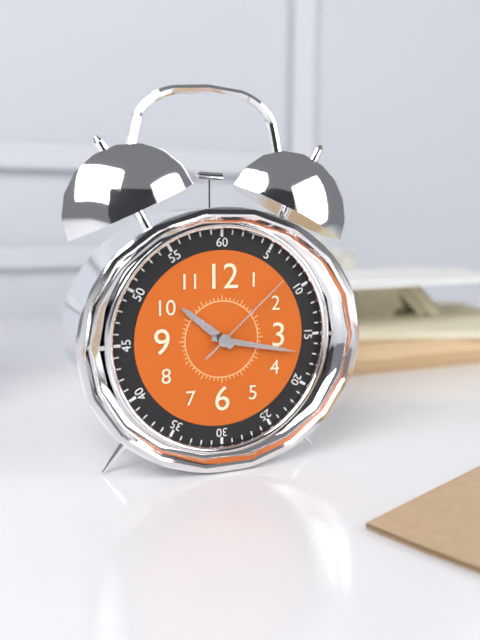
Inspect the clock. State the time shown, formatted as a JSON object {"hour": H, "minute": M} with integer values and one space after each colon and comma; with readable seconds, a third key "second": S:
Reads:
{"hour": 10, "minute": 17, "second": 8}
